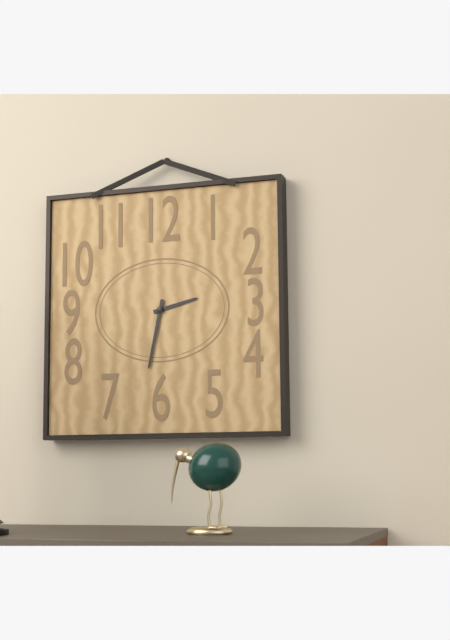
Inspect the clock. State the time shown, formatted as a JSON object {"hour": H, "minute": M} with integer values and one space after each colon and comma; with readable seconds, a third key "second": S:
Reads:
{"hour": 2, "minute": 32}
